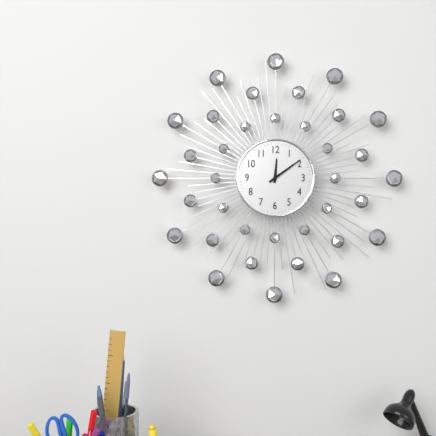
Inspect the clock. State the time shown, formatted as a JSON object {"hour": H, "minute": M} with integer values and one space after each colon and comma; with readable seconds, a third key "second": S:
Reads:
{"hour": 12, "minute": 9}
